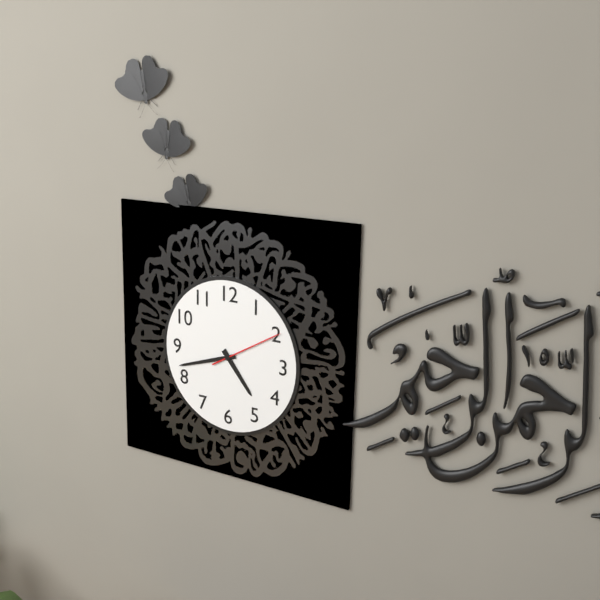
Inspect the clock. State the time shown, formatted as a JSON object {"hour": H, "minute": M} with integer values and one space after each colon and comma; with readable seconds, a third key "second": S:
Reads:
{"hour": 4, "minute": 42, "second": 10}
